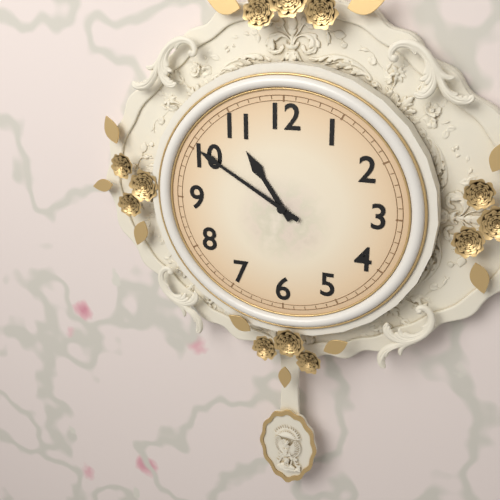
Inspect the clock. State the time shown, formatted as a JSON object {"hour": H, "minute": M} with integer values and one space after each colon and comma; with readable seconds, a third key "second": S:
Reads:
{"hour": 10, "minute": 50}
